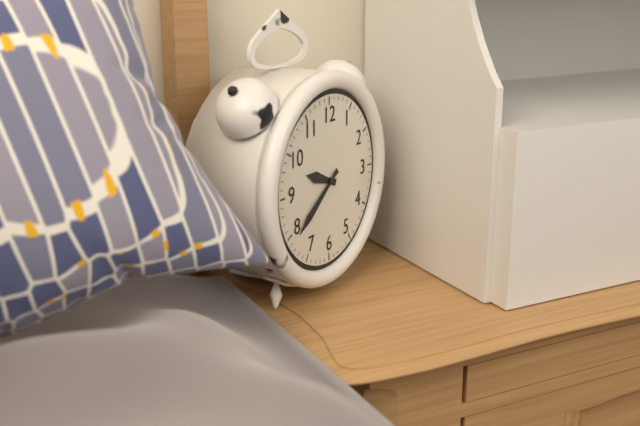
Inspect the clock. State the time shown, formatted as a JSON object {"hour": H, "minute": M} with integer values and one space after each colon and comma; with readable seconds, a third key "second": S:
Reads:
{"hour": 9, "minute": 39}
